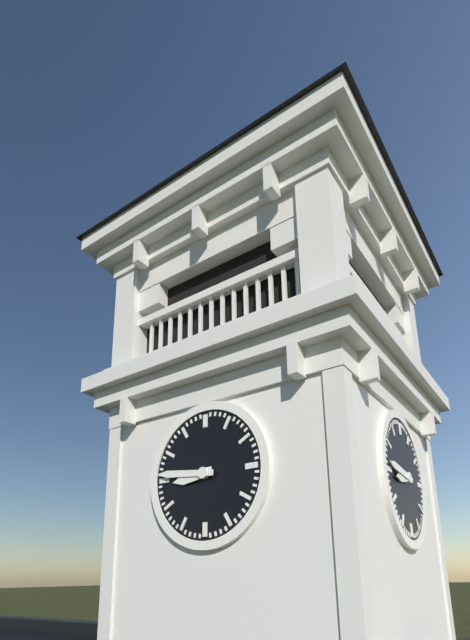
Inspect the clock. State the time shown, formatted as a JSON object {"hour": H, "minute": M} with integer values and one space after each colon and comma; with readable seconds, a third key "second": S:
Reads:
{"hour": 8, "minute": 46}
